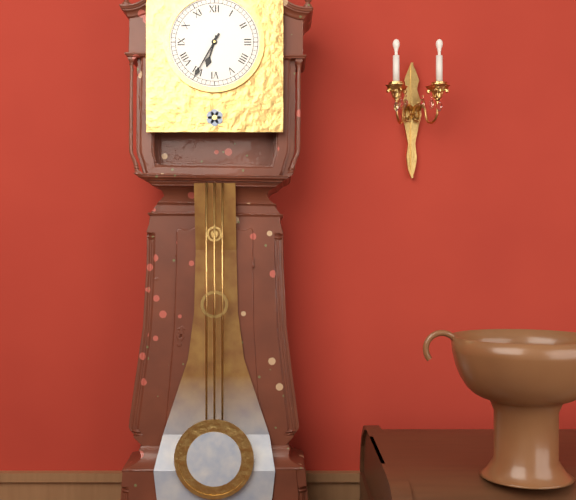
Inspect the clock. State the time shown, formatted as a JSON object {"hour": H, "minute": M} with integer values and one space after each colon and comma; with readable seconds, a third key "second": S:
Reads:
{"hour": 6, "minute": 35}
